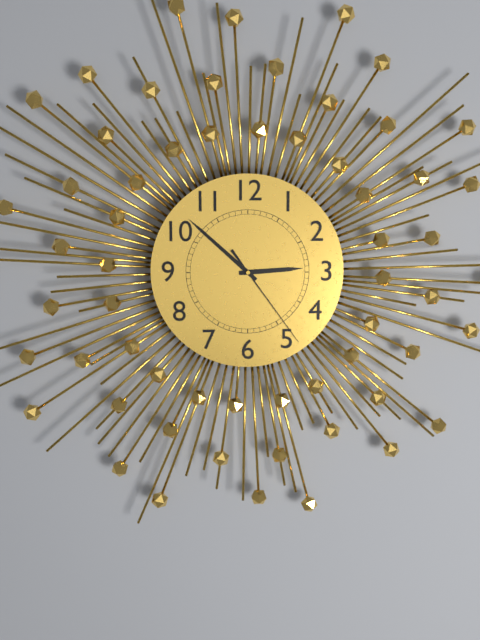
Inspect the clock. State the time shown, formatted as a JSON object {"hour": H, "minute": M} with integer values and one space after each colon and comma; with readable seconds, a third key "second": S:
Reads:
{"hour": 2, "minute": 52, "second": 24}
